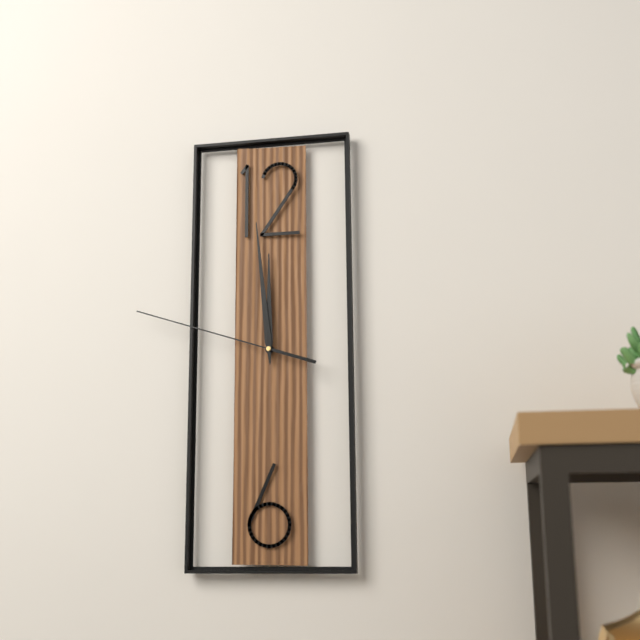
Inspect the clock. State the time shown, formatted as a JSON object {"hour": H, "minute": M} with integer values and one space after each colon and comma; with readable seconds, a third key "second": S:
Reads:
{"hour": 11, "minute": 59, "second": 48}
